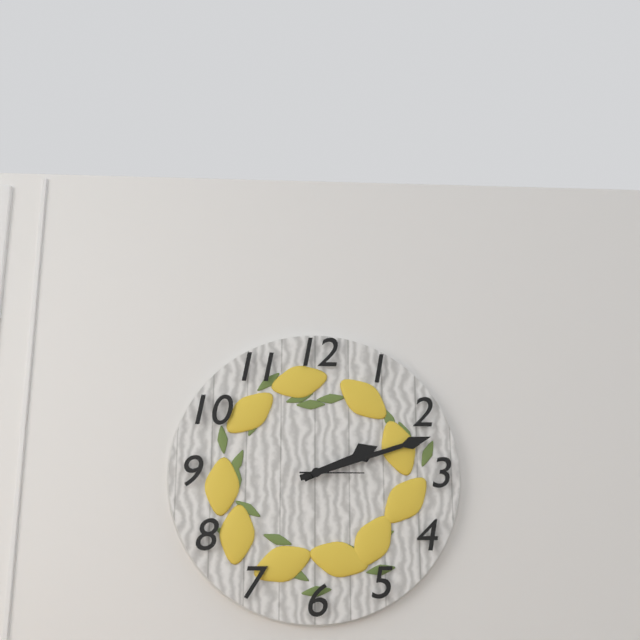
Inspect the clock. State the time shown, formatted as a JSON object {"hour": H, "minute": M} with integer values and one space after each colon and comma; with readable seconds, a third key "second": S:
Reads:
{"hour": 2, "minute": 12, "second": 15}
